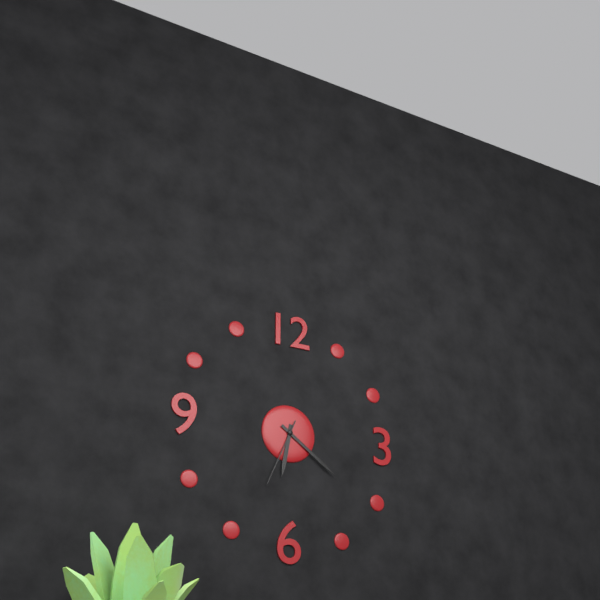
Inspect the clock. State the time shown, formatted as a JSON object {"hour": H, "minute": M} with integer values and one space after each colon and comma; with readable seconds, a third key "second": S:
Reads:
{"hour": 6, "minute": 21, "second": 34}
